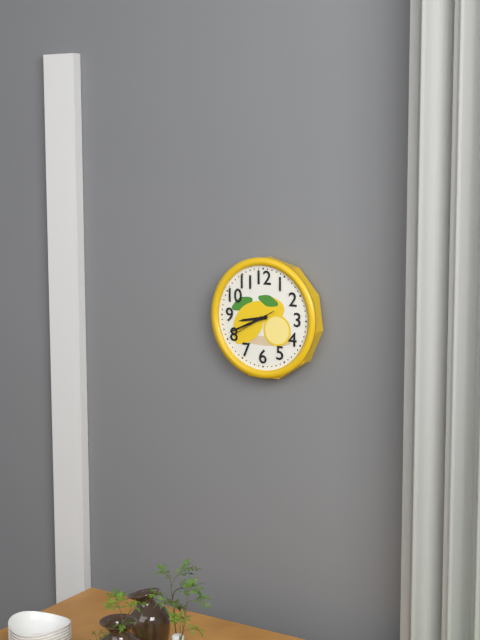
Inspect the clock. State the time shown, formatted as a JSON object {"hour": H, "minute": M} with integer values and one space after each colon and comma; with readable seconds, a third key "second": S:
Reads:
{"hour": 8, "minute": 41}
